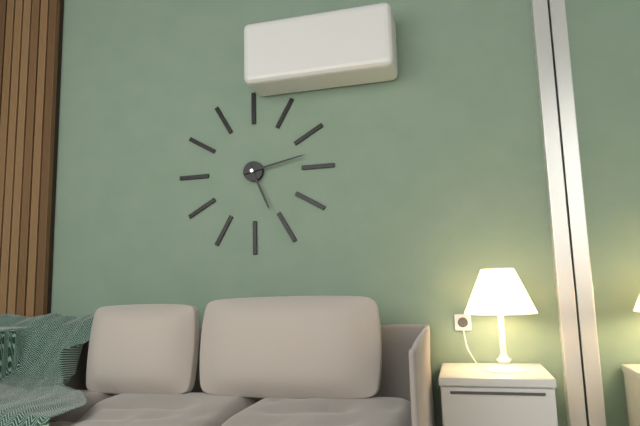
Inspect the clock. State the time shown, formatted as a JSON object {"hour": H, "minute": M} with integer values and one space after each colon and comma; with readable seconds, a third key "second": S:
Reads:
{"hour": 5, "minute": 13}
